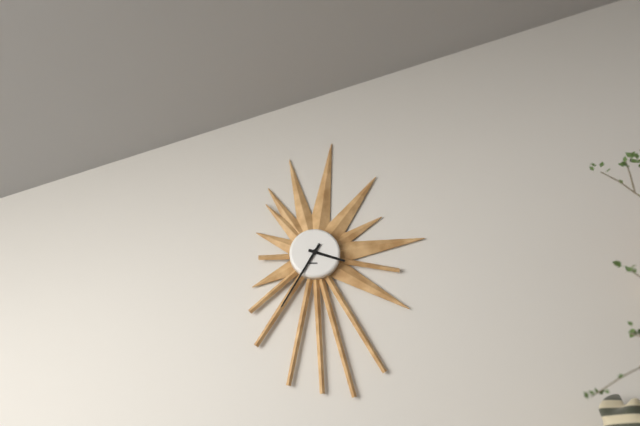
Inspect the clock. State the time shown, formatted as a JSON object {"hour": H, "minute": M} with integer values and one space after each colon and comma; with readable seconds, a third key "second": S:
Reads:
{"hour": 3, "minute": 35}
